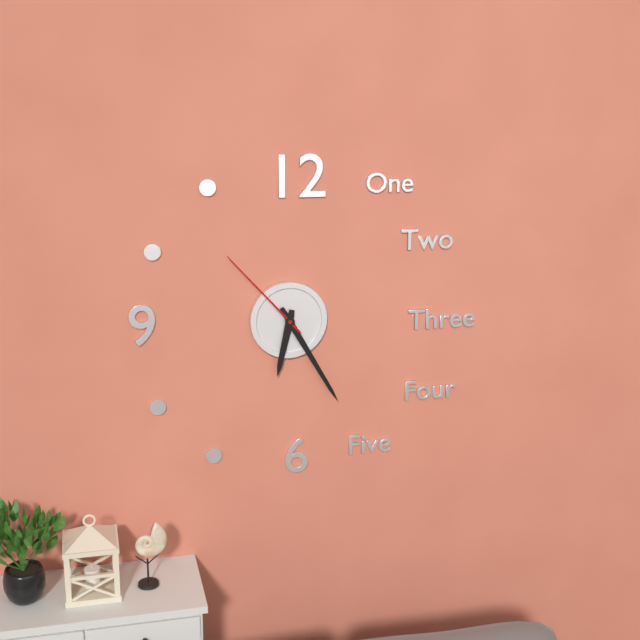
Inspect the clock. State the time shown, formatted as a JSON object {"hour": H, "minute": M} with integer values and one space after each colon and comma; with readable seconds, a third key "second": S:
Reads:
{"hour": 6, "minute": 25, "second": 53}
